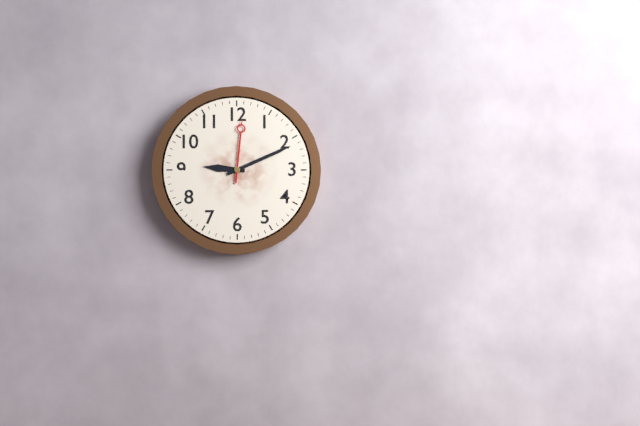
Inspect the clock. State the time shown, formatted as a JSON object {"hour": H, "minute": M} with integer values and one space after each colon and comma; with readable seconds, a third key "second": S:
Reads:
{"hour": 9, "minute": 11, "second": 1}
